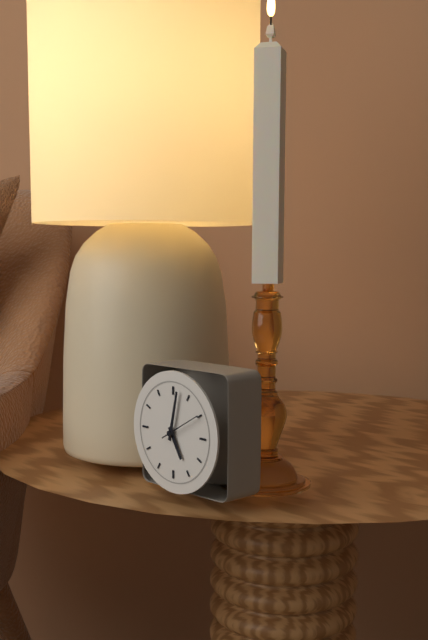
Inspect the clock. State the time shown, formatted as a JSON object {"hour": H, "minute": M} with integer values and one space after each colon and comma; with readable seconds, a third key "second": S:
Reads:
{"hour": 5, "minute": 2}
